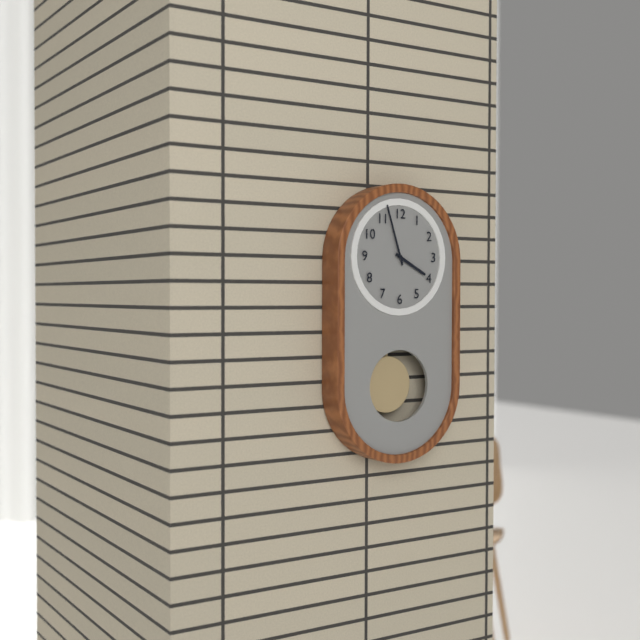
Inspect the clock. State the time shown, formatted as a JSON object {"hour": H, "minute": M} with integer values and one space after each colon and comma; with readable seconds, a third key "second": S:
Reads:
{"hour": 3, "minute": 57}
